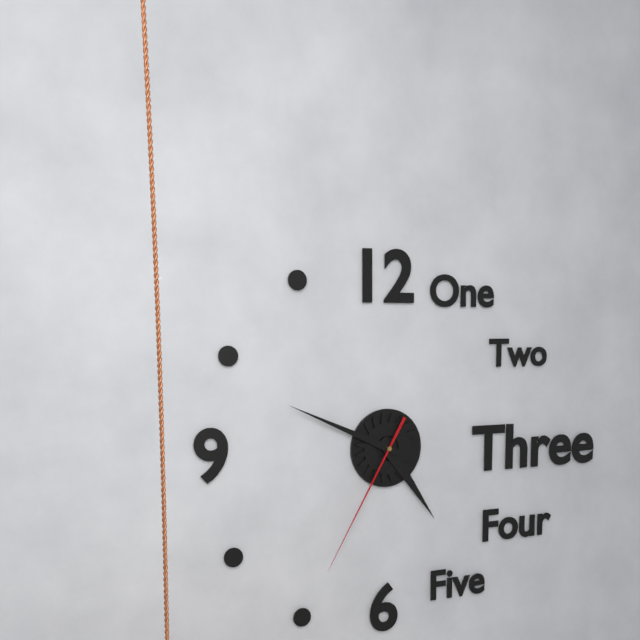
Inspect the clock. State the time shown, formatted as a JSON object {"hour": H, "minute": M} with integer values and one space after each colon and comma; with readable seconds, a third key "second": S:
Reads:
{"hour": 4, "minute": 49, "second": 35}
